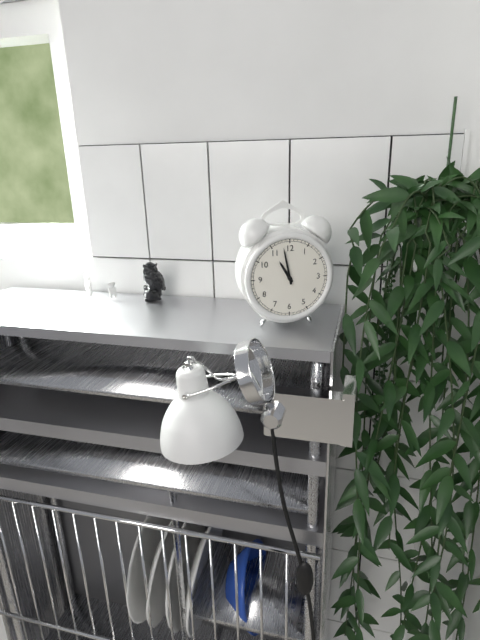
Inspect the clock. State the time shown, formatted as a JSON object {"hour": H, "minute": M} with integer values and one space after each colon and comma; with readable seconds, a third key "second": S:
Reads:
{"hour": 10, "minute": 58}
